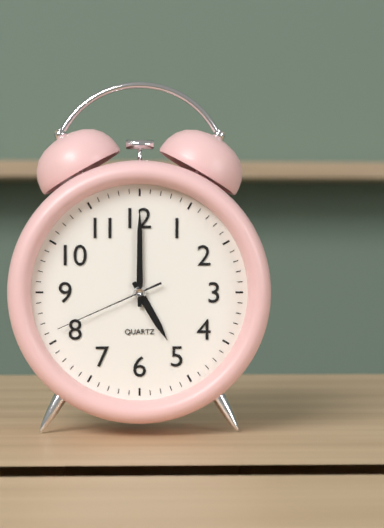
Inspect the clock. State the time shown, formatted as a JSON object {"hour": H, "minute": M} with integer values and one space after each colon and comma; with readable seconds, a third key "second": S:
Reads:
{"hour": 5, "minute": 0, "second": 41}
